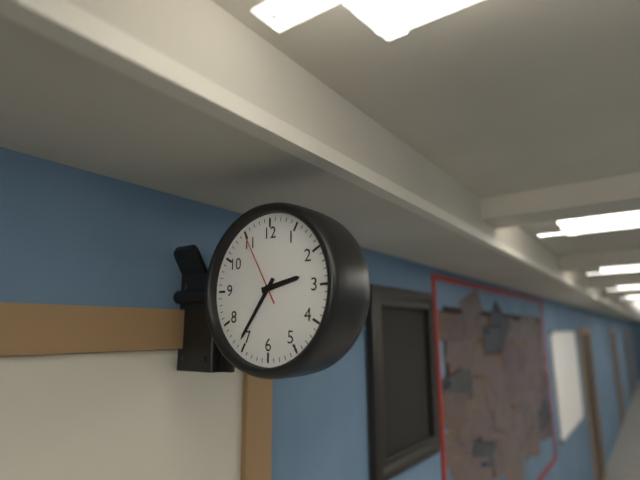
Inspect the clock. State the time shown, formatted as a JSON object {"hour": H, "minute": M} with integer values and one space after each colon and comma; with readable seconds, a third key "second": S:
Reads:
{"hour": 2, "minute": 36, "second": 55}
